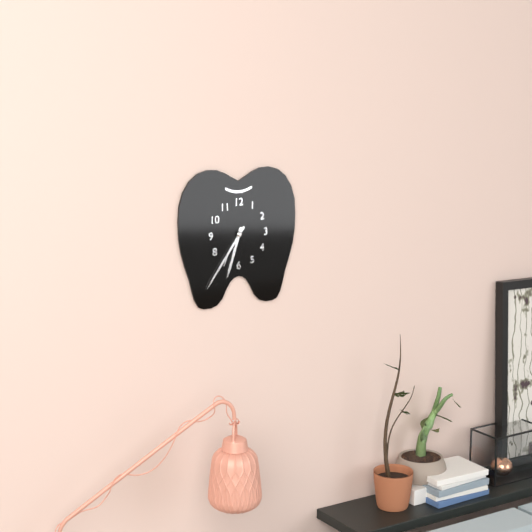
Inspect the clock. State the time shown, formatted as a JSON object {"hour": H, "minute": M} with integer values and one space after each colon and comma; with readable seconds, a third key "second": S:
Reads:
{"hour": 6, "minute": 36}
